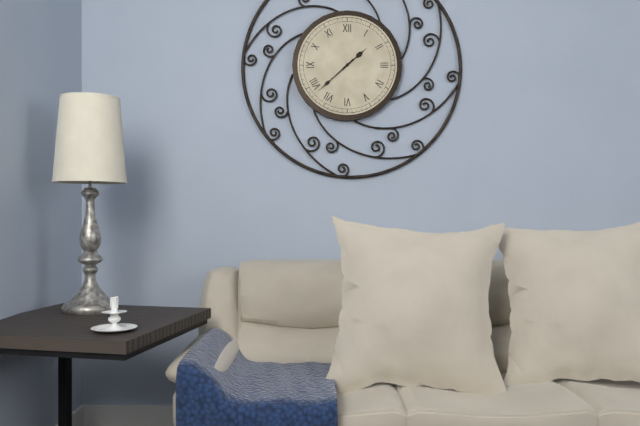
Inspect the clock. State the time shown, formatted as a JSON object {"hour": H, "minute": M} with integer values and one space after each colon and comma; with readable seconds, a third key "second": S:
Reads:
{"hour": 1, "minute": 38}
